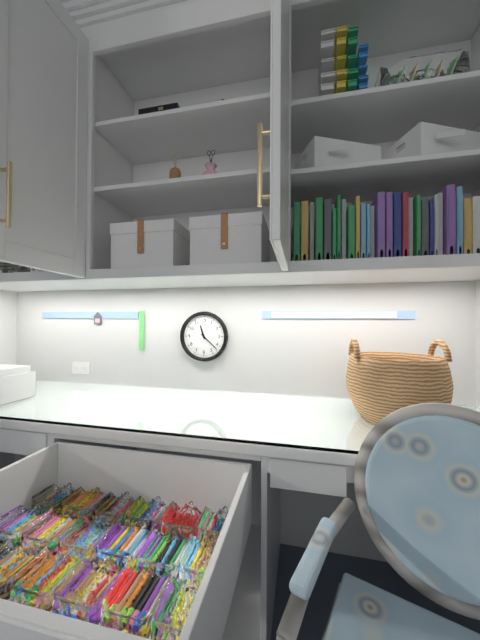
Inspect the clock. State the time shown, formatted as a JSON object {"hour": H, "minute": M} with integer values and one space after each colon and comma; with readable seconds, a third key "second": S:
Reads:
{"hour": 11, "minute": 22}
